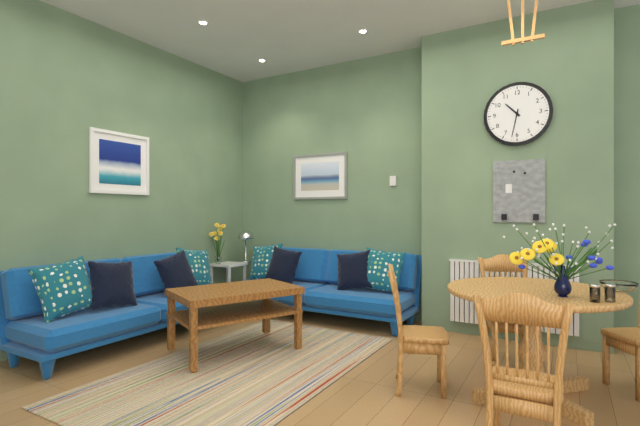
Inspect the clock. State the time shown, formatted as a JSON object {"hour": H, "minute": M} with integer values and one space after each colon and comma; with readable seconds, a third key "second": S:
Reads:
{"hour": 10, "minute": 32}
